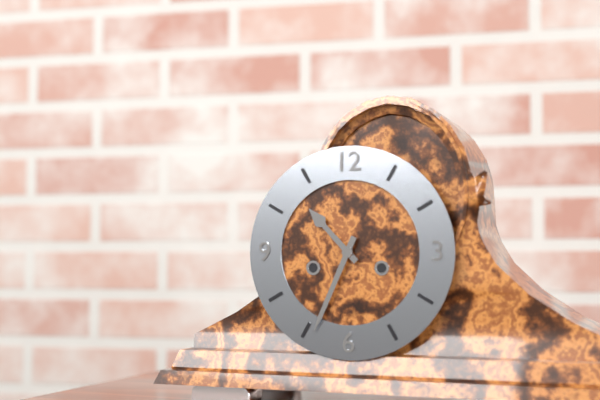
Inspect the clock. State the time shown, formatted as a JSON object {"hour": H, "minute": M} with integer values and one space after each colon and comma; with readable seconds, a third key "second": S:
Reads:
{"hour": 10, "minute": 34}
